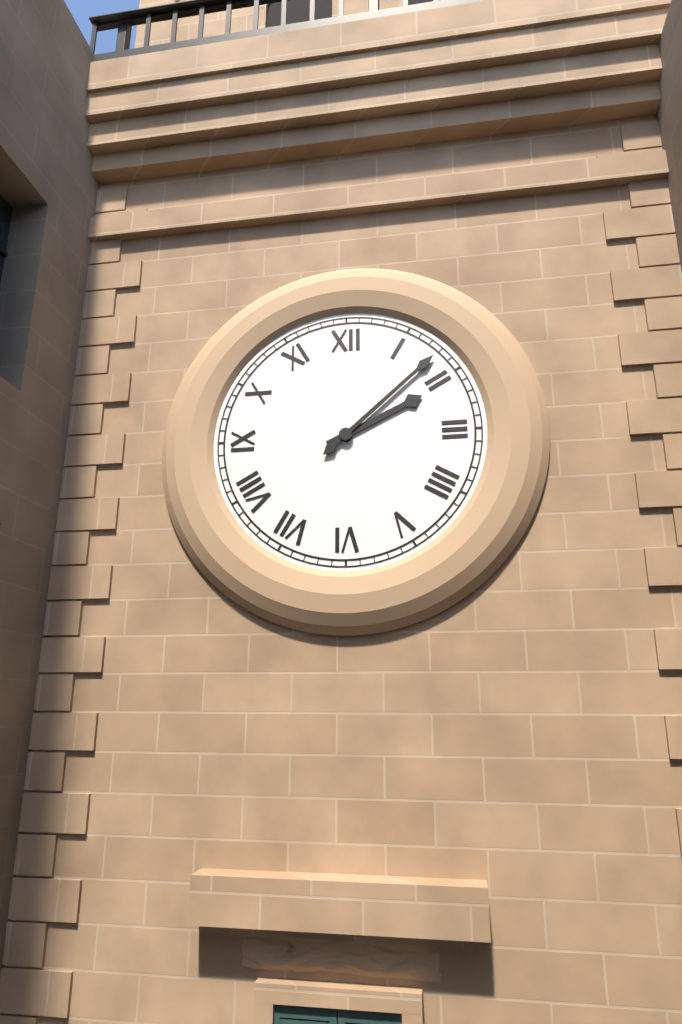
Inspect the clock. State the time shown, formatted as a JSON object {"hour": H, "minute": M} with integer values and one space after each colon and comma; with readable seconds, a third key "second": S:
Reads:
{"hour": 2, "minute": 8}
